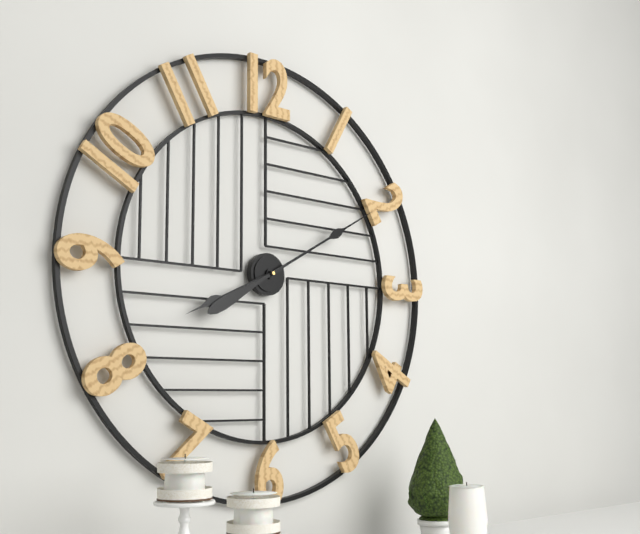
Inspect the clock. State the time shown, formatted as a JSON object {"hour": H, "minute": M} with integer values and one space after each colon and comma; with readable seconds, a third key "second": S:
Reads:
{"hour": 8, "minute": 10}
